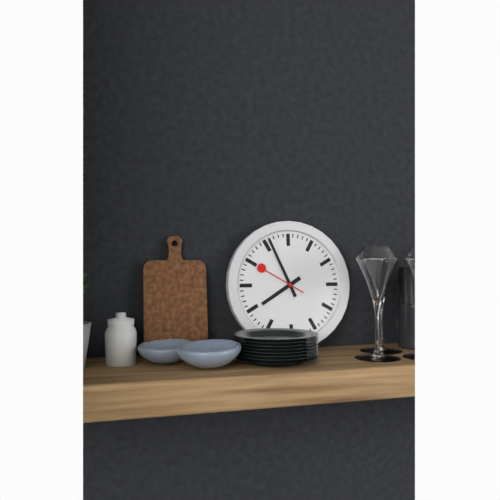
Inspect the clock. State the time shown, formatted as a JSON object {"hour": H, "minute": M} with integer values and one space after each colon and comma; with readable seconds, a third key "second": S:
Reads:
{"hour": 7, "minute": 56}
